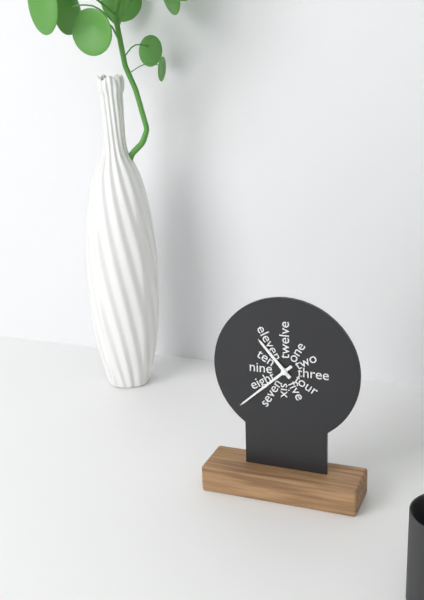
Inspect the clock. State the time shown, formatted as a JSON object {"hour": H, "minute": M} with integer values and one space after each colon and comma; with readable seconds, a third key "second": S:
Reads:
{"hour": 10, "minute": 38}
